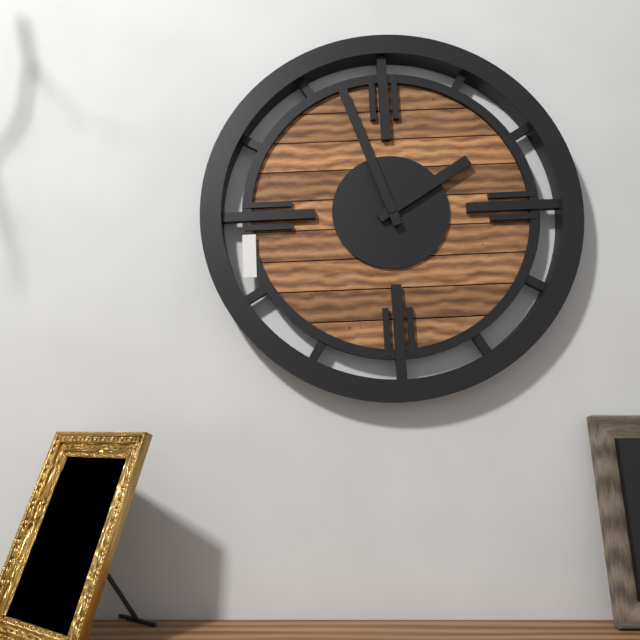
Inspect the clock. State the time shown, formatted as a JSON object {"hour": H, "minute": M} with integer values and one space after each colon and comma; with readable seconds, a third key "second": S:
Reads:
{"hour": 1, "minute": 57}
